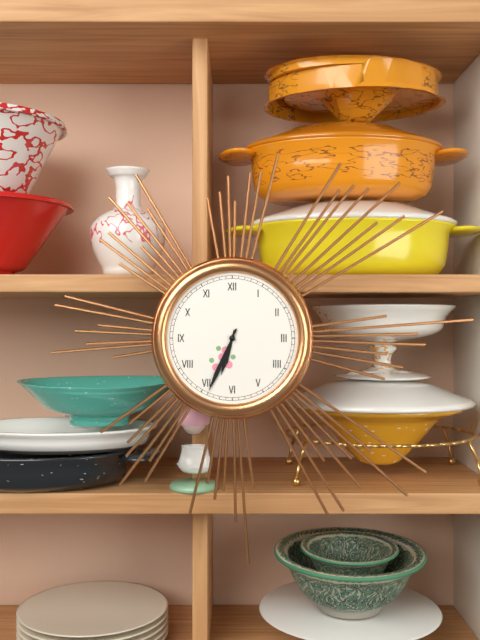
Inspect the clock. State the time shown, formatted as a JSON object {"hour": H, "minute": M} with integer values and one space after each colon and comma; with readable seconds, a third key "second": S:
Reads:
{"hour": 6, "minute": 34}
